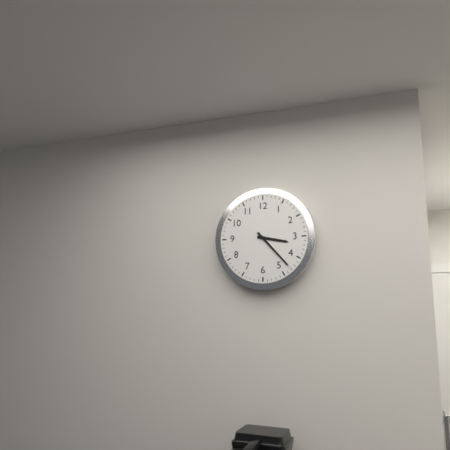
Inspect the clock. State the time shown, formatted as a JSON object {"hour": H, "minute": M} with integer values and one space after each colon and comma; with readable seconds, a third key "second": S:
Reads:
{"hour": 3, "minute": 23}
